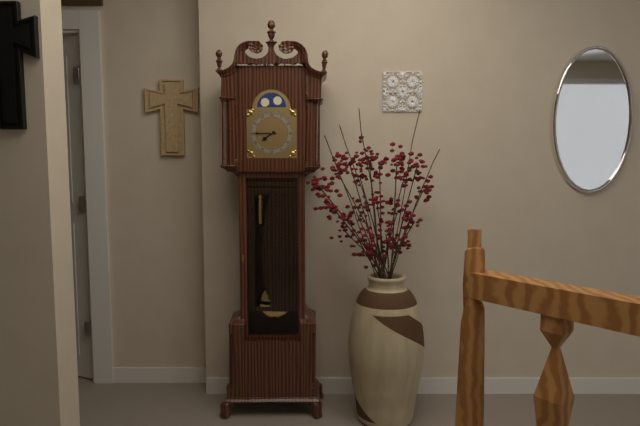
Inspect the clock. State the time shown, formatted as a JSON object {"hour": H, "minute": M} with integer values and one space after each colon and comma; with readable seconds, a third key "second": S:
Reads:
{"hour": 7, "minute": 45}
